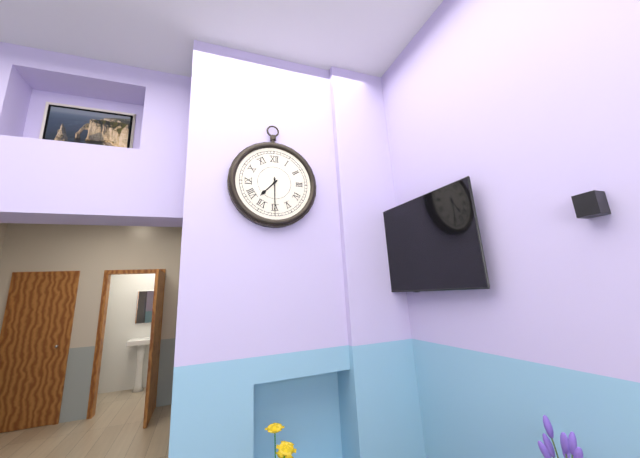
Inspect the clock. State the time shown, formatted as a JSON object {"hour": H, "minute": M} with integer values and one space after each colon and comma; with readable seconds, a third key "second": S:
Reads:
{"hour": 7, "minute": 30}
